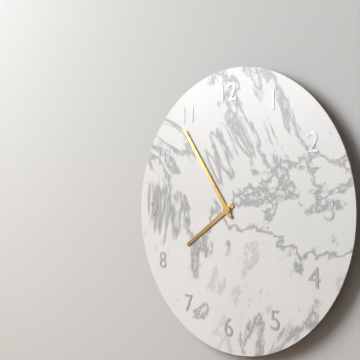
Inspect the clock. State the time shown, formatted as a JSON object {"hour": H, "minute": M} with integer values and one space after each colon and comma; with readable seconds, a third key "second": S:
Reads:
{"hour": 7, "minute": 54}
